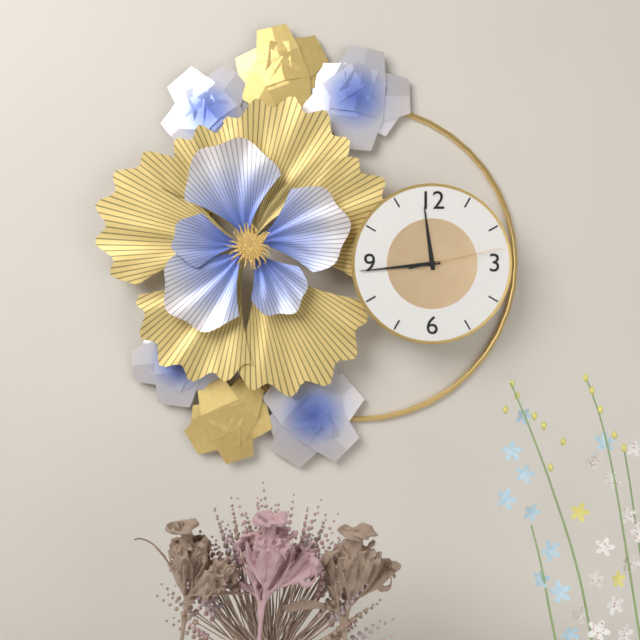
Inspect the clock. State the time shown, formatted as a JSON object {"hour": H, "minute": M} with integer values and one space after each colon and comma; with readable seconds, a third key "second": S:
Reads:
{"hour": 11, "minute": 44, "second": 13}
